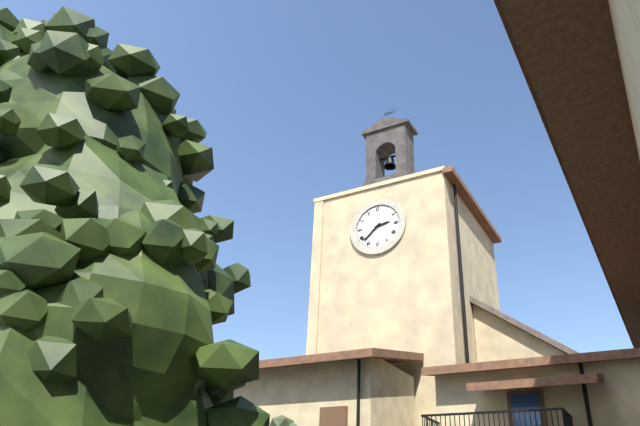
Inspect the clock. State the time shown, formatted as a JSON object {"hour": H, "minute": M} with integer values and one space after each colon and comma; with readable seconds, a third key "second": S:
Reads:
{"hour": 2, "minute": 38}
